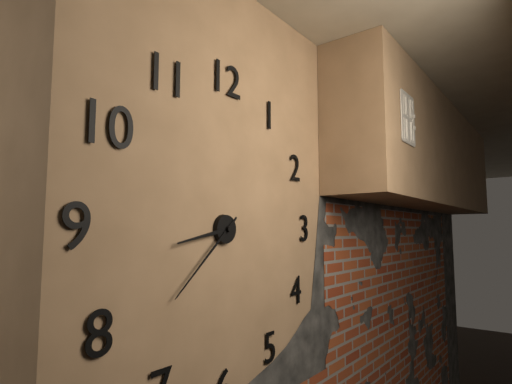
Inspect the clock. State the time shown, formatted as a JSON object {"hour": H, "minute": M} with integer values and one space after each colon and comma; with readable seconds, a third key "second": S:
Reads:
{"hour": 8, "minute": 38}
